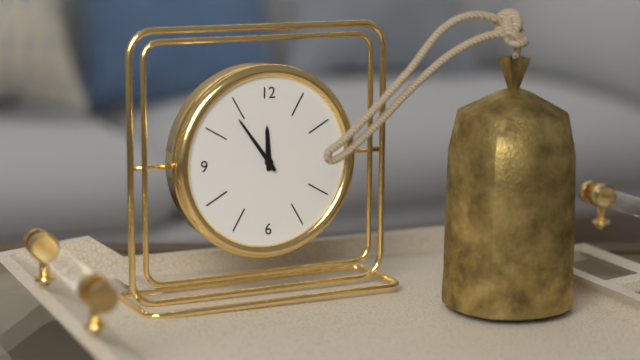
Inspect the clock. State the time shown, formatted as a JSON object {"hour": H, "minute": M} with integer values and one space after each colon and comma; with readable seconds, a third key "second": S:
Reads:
{"hour": 11, "minute": 54}
